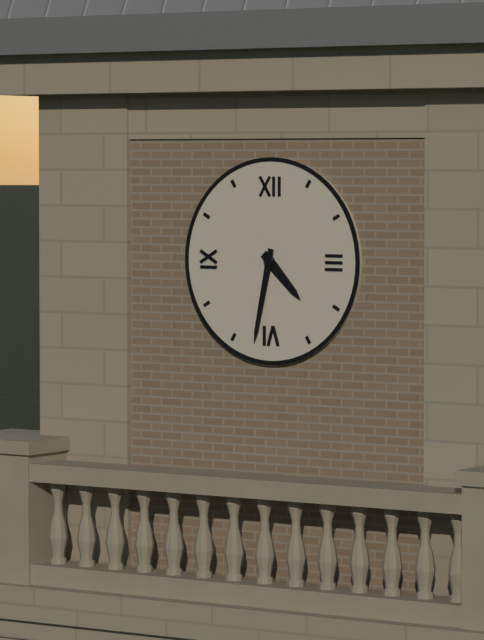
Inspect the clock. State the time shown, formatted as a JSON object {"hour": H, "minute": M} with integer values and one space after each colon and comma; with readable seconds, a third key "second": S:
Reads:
{"hour": 4, "minute": 32}
